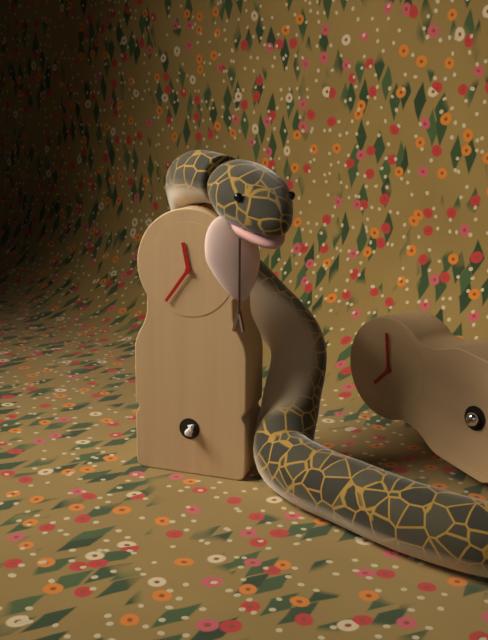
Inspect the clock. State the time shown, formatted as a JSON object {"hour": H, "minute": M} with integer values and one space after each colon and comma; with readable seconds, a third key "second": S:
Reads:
{"hour": 11, "minute": 36}
